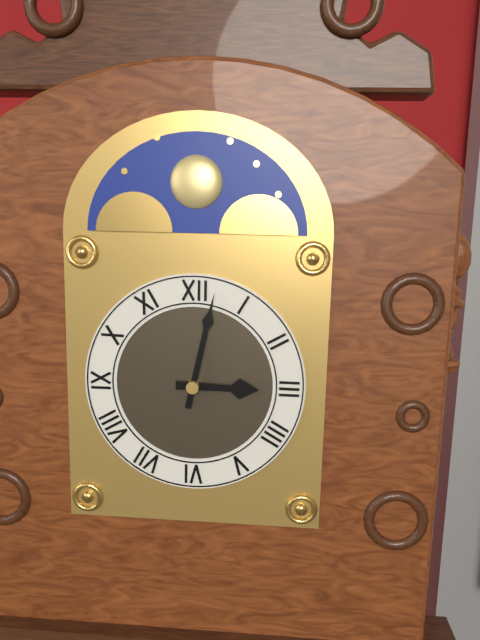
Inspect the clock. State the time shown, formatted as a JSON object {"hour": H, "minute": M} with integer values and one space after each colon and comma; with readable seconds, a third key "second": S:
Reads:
{"hour": 3, "minute": 2}
